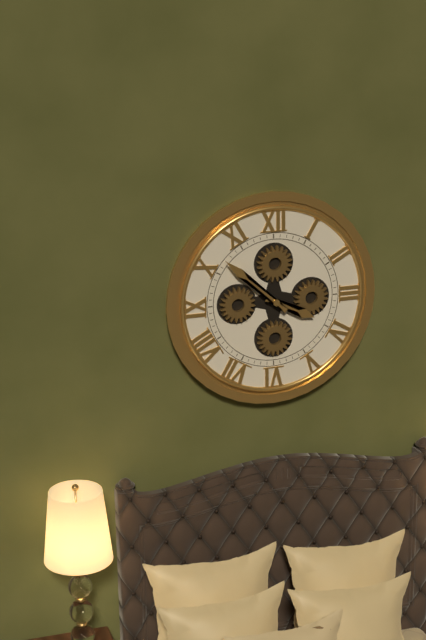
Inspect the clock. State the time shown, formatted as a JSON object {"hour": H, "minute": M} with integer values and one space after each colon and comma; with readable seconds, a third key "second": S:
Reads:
{"hour": 3, "minute": 52}
